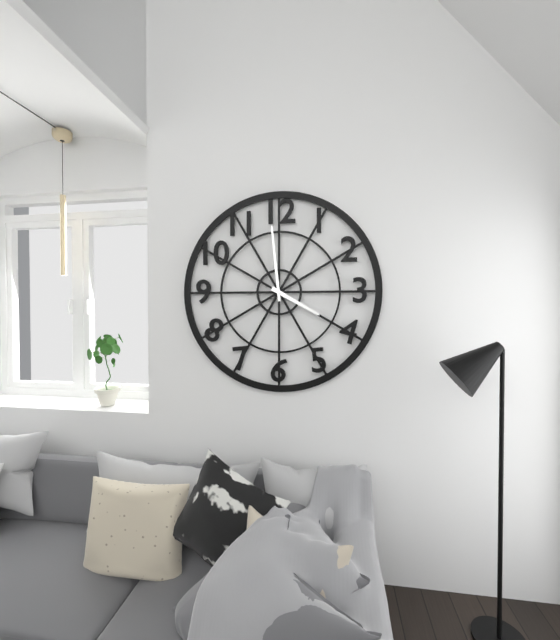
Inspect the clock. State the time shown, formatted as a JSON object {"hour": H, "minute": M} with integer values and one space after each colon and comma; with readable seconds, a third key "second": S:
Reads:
{"hour": 3, "minute": 59}
